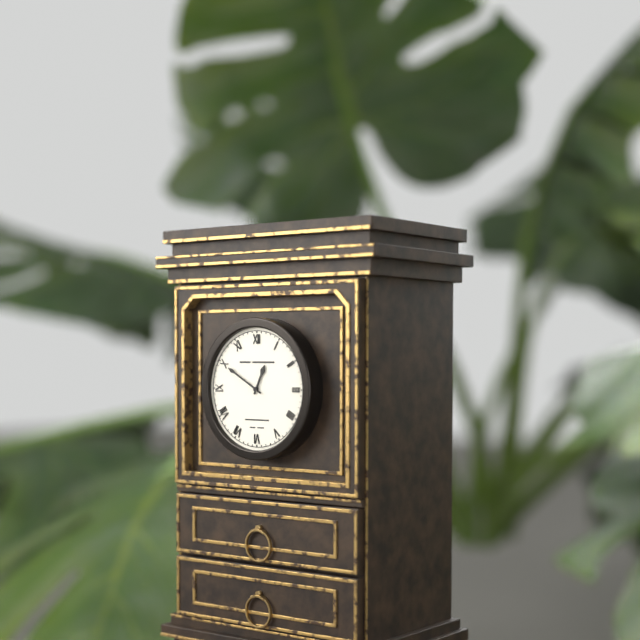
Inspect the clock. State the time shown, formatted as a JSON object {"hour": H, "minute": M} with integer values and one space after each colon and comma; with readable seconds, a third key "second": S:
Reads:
{"hour": 12, "minute": 50}
